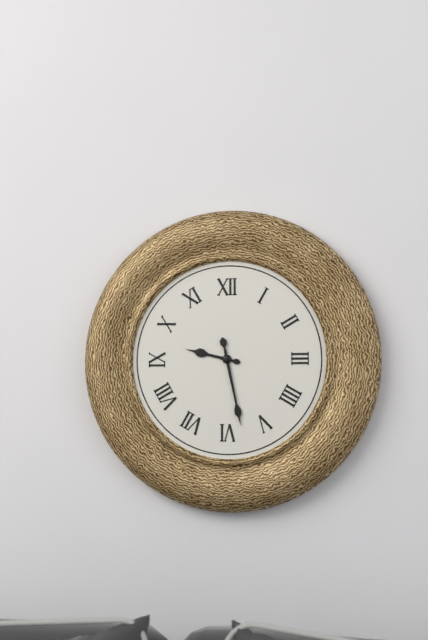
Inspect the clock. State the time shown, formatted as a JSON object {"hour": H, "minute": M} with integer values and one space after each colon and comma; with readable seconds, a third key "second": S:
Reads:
{"hour": 9, "minute": 28}
